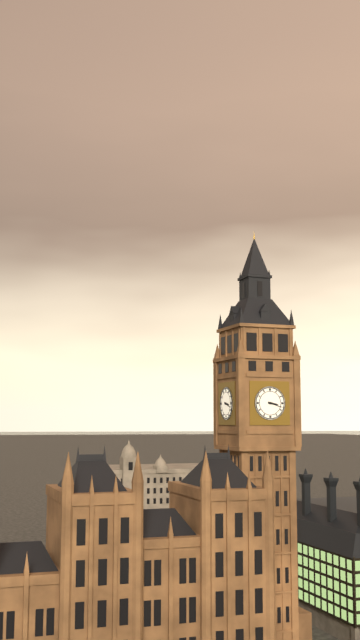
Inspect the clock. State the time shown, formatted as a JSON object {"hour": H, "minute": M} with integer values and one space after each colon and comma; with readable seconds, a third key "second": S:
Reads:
{"hour": 3, "minute": 18}
